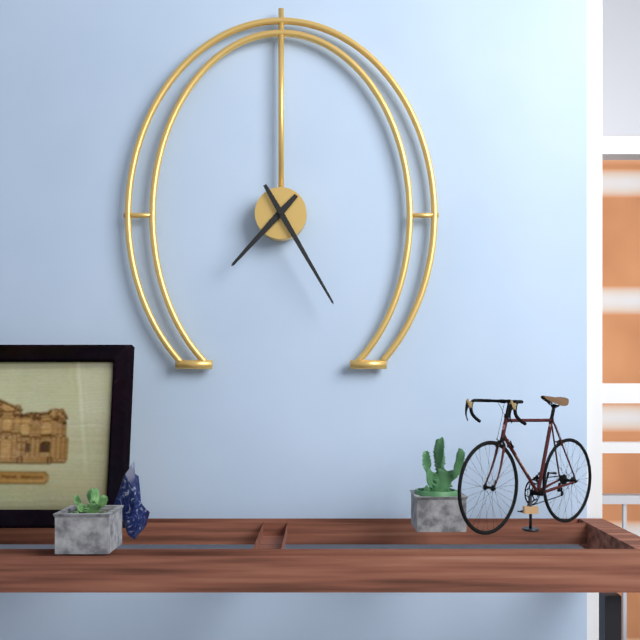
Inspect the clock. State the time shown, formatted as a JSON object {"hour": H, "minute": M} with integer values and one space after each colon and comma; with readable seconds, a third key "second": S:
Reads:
{"hour": 7, "minute": 25}
